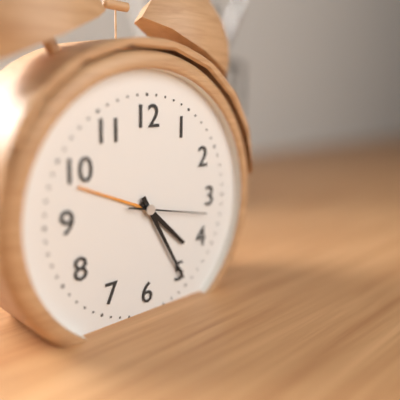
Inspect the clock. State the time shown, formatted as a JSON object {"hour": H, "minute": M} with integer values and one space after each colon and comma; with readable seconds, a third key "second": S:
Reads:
{"hour": 4, "minute": 25, "second": 17}
